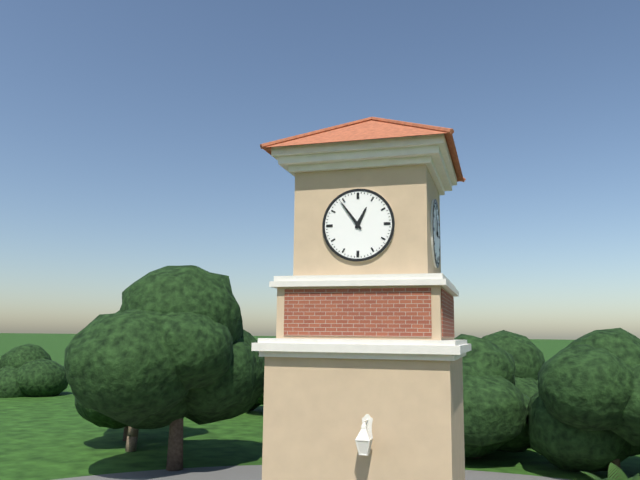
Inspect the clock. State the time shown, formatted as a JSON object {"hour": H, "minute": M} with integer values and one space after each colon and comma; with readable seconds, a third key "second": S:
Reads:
{"hour": 12, "minute": 54}
